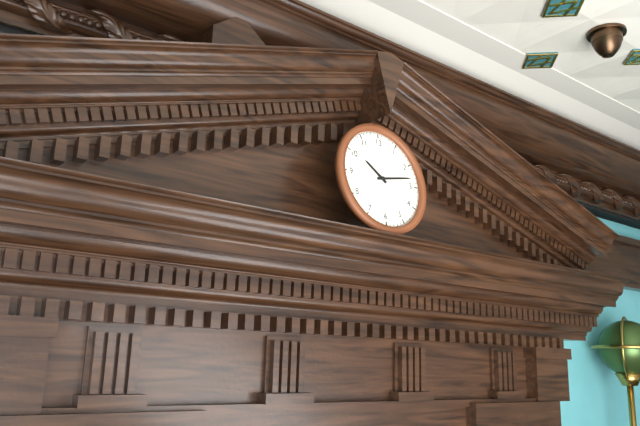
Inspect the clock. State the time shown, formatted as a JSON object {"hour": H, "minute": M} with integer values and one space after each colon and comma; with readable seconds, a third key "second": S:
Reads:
{"hour": 10, "minute": 13}
